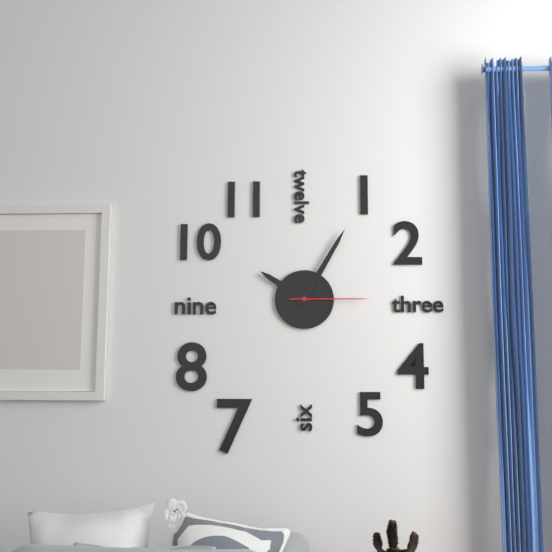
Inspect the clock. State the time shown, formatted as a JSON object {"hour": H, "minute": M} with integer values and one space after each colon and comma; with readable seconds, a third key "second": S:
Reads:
{"hour": 10, "minute": 5, "second": 15}
